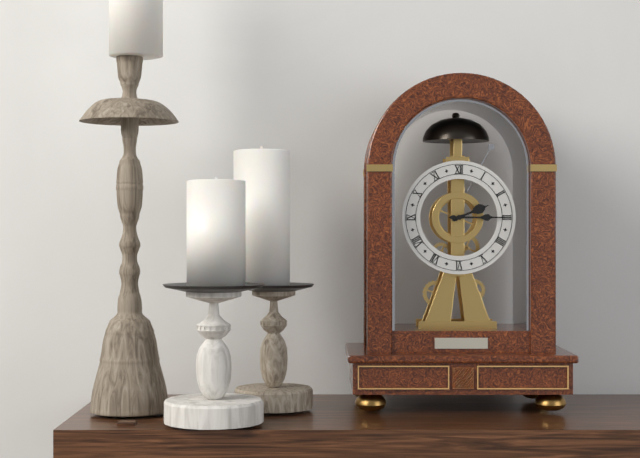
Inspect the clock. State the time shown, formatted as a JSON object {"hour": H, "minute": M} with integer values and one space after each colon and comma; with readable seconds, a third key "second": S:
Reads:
{"hour": 2, "minute": 15}
